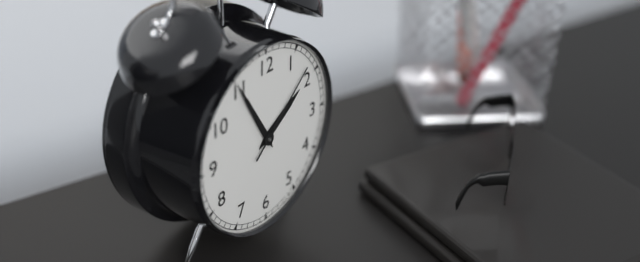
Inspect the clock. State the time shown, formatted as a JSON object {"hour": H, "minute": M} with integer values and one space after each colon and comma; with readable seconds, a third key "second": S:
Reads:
{"hour": 1, "minute": 55, "second": 8}
